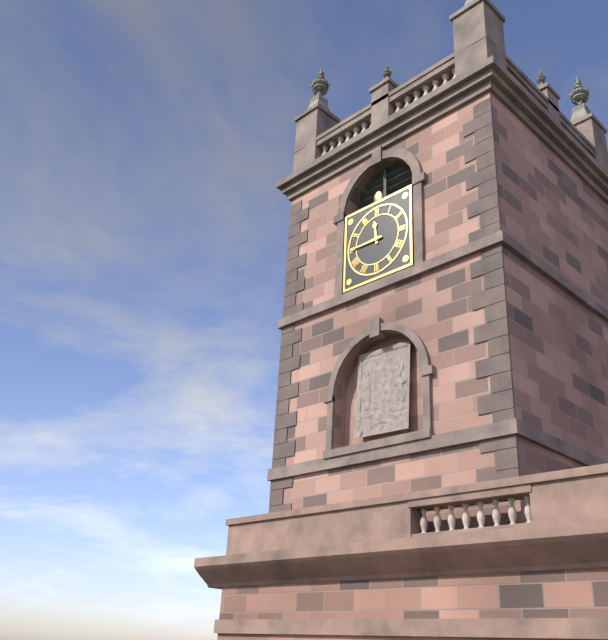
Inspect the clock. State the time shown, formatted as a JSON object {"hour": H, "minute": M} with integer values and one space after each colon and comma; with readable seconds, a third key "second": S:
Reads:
{"hour": 11, "minute": 45}
